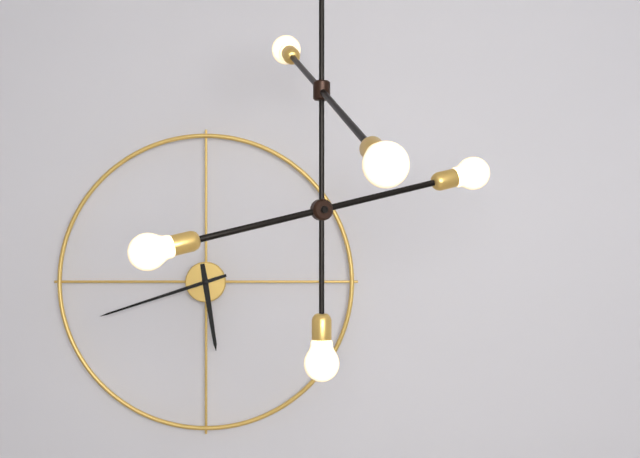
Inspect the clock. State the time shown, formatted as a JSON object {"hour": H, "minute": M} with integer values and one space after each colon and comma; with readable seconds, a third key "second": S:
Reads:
{"hour": 5, "minute": 42}
